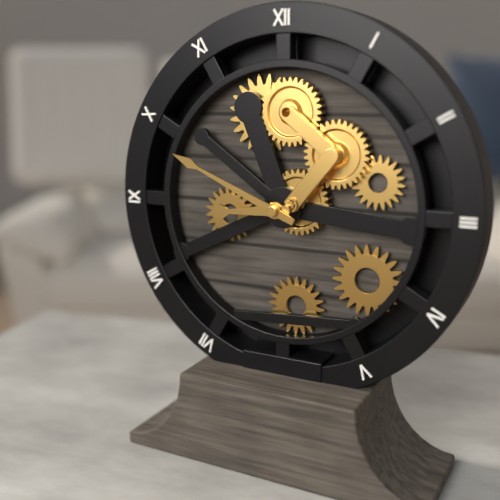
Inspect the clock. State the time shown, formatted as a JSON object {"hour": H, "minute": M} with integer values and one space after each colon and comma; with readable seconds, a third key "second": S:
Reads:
{"hour": 8, "minute": 49}
